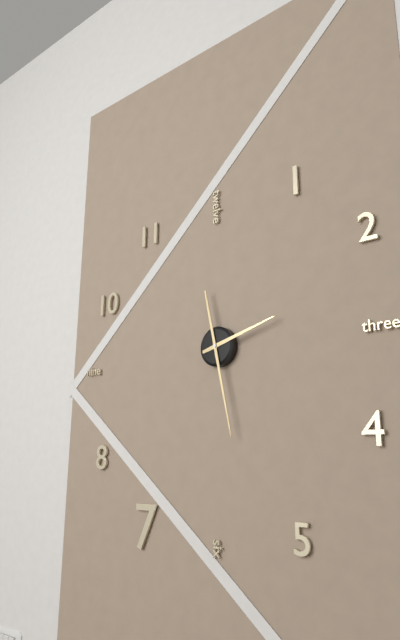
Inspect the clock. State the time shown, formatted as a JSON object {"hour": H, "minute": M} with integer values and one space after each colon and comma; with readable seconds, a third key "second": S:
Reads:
{"hour": 2, "minute": 28}
